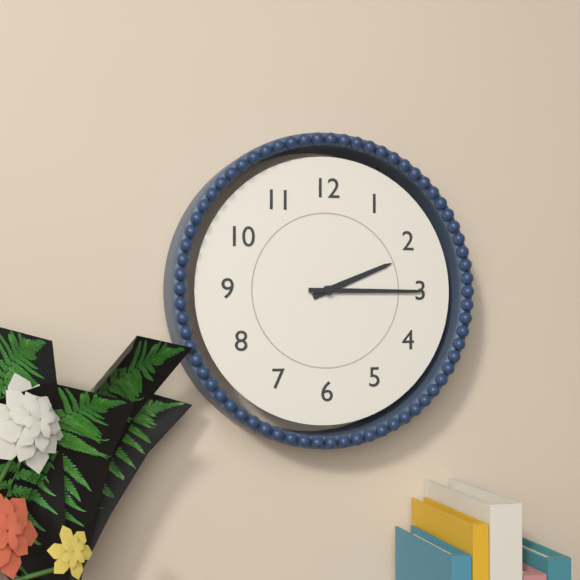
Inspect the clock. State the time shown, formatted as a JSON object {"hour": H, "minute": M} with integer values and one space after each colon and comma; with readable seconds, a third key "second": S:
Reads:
{"hour": 2, "minute": 15}
